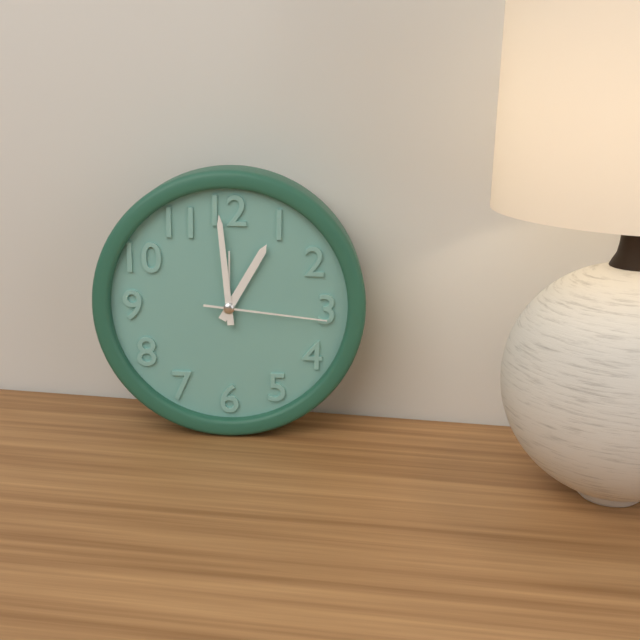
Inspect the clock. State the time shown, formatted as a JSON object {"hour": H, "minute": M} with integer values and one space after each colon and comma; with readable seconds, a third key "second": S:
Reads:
{"hour": 12, "minute": 59, "second": 16}
